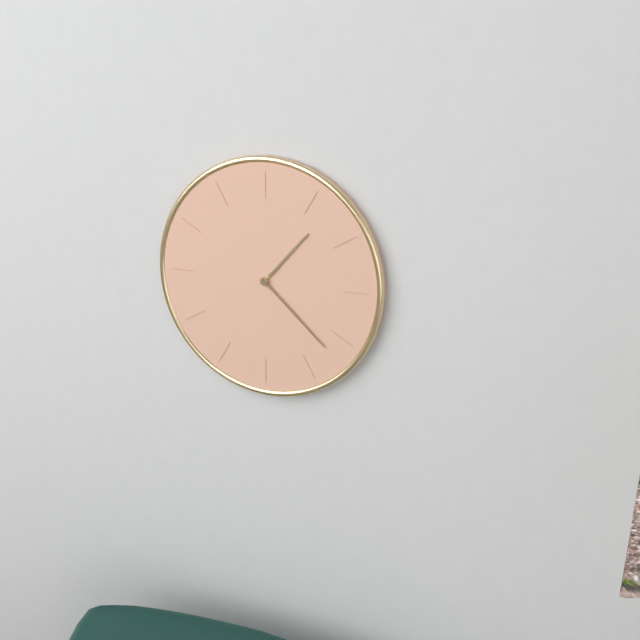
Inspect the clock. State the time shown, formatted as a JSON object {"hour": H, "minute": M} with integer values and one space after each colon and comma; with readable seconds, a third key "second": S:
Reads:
{"hour": 1, "minute": 22}
